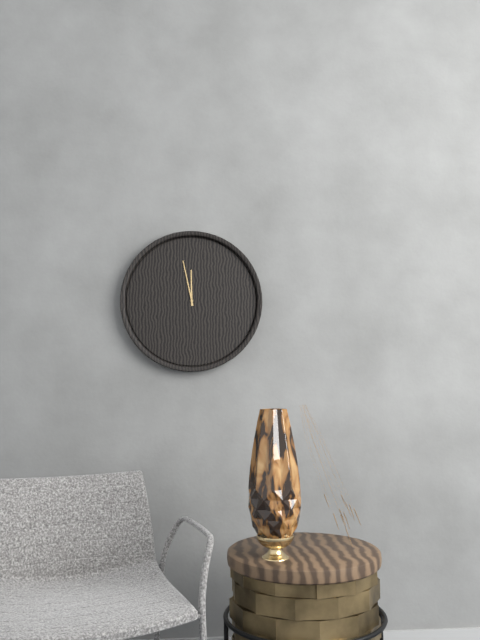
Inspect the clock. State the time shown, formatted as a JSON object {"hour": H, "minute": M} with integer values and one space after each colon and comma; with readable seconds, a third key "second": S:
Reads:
{"hour": 11, "minute": 58}
